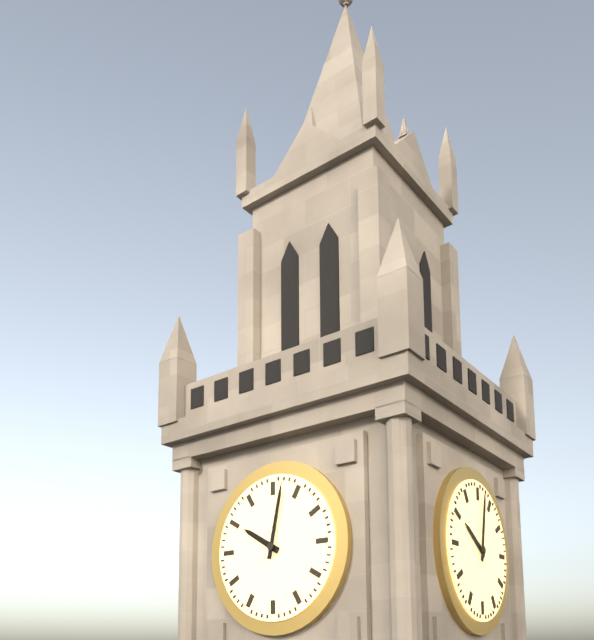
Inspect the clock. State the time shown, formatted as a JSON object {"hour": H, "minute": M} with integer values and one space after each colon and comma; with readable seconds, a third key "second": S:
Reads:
{"hour": 10, "minute": 2}
